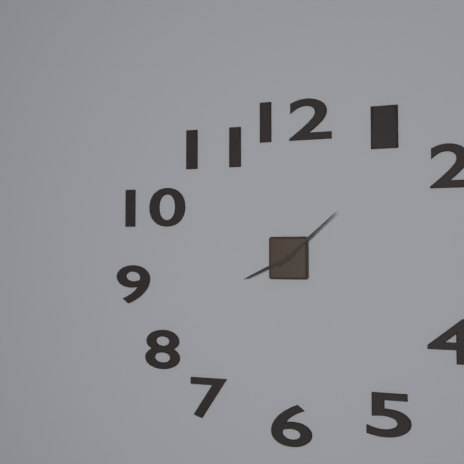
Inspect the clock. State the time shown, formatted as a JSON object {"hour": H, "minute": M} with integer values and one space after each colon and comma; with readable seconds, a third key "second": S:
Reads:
{"hour": 8, "minute": 8}
